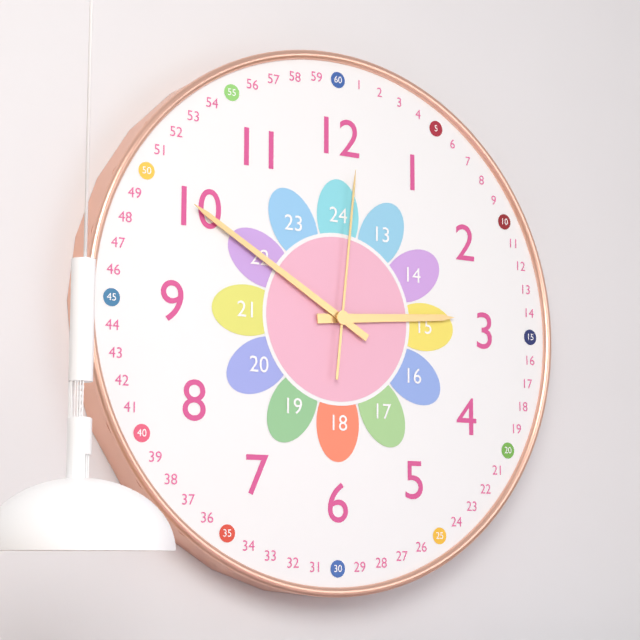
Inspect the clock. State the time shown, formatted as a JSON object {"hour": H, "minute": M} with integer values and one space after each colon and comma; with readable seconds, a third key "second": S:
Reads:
{"hour": 2, "minute": 50, "second": 1}
